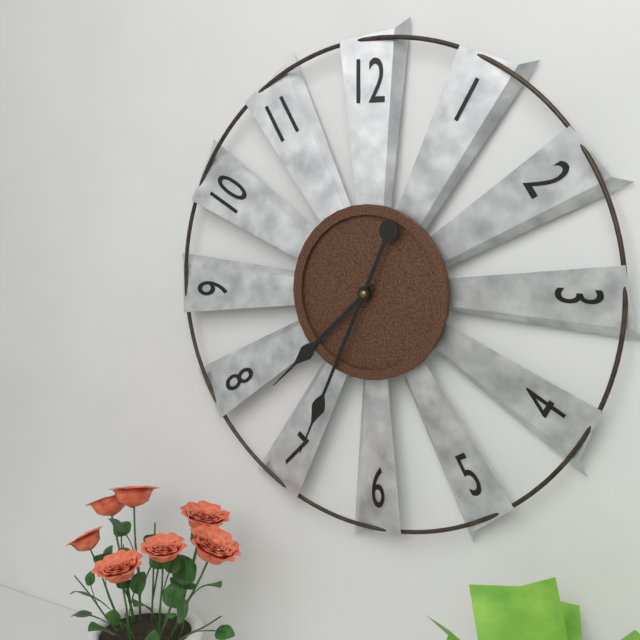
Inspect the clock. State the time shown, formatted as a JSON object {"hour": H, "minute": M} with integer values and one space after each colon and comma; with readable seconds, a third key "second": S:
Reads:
{"hour": 7, "minute": 34}
